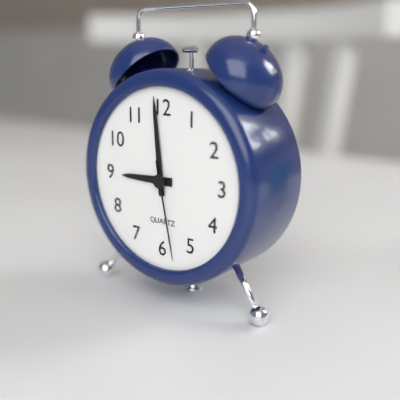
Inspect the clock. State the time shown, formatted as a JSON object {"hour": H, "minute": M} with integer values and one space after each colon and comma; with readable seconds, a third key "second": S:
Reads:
{"hour": 8, "minute": 59, "second": 28}
